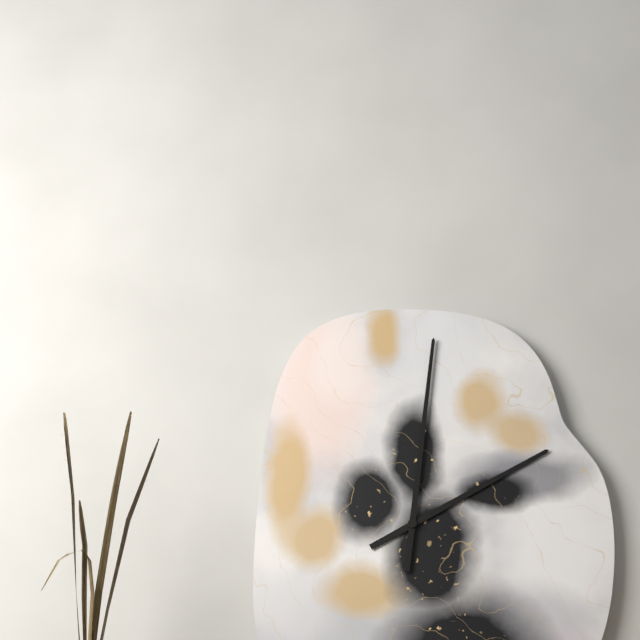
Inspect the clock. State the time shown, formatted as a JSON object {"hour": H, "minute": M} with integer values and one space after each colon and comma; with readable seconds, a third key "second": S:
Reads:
{"hour": 2, "minute": 1}
